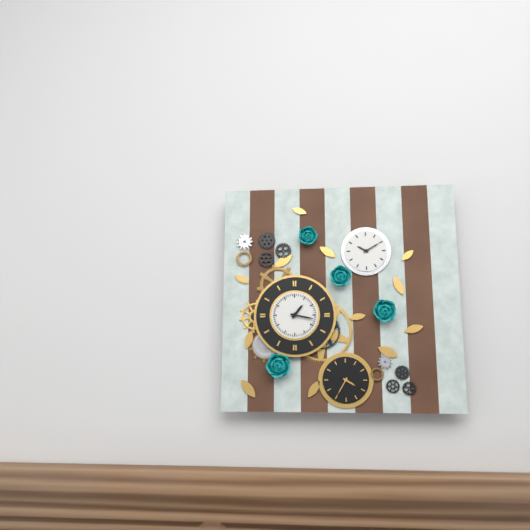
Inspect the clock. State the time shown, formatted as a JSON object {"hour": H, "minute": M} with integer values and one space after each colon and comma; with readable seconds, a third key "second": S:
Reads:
{"hour": 1, "minute": 17}
